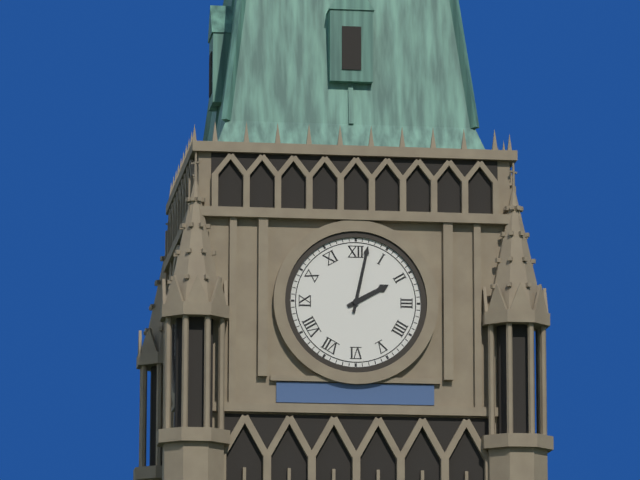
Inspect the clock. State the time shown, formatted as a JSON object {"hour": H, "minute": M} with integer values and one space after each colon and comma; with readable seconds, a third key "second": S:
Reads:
{"hour": 2, "minute": 2}
